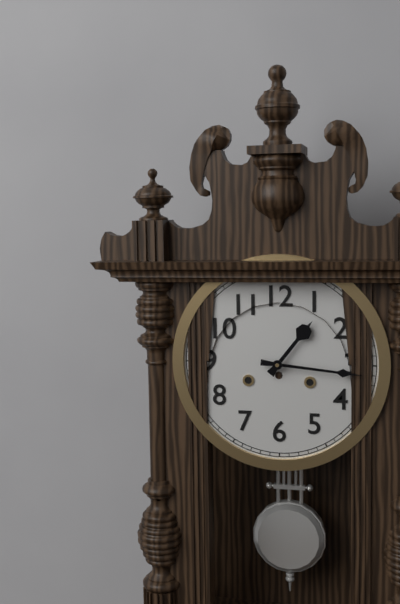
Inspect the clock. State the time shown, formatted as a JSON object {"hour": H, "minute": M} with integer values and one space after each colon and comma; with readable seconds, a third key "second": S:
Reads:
{"hour": 1, "minute": 16}
